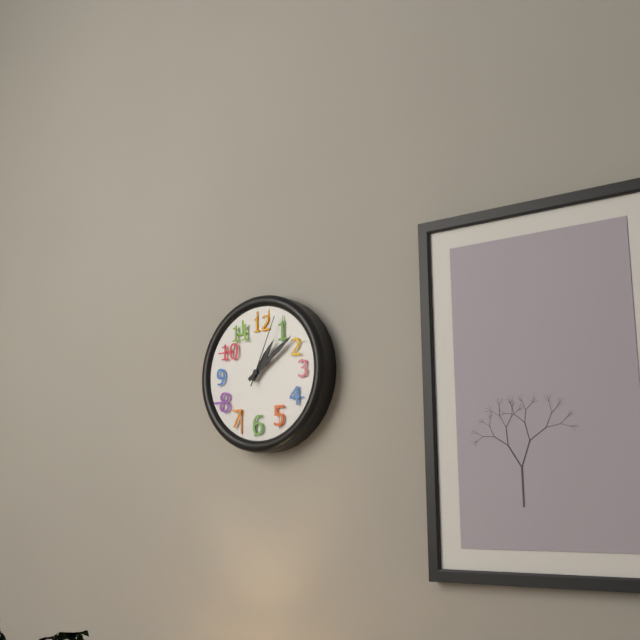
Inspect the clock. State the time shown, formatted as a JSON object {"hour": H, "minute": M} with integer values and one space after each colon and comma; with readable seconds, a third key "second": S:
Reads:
{"hour": 1, "minute": 9, "second": 4}
